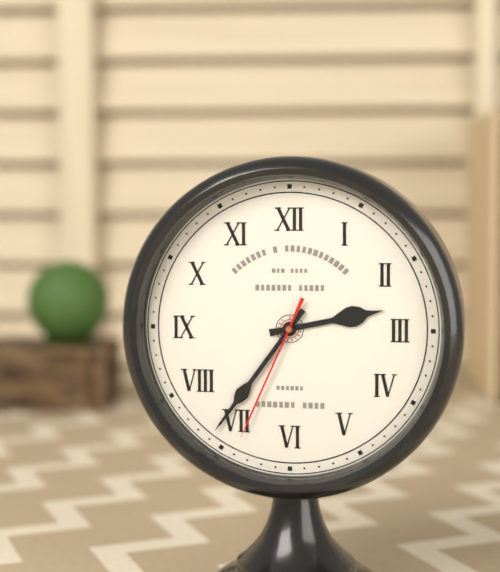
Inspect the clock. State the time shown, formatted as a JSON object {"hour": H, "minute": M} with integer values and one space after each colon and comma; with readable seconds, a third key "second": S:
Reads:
{"hour": 2, "minute": 36, "second": 34}
